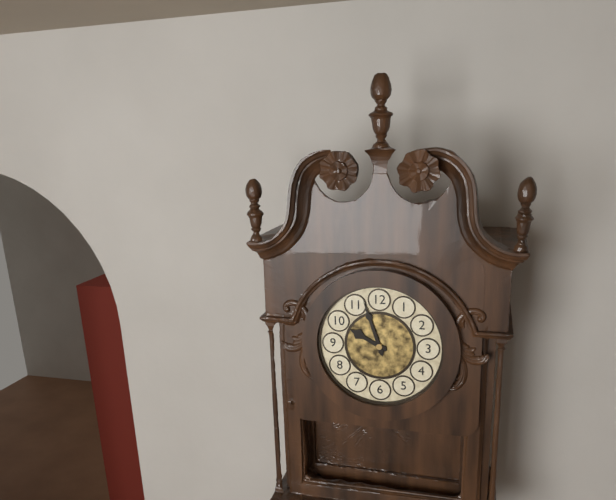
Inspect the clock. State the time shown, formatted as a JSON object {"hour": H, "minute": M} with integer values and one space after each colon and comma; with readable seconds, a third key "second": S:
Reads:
{"hour": 9, "minute": 57}
